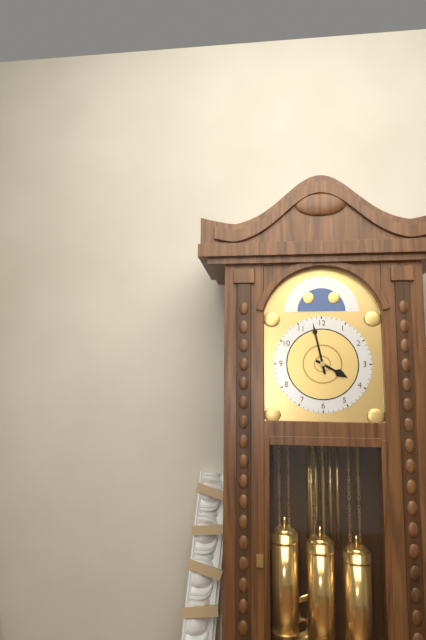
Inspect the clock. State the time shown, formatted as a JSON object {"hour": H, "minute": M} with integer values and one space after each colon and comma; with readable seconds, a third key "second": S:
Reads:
{"hour": 3, "minute": 58}
